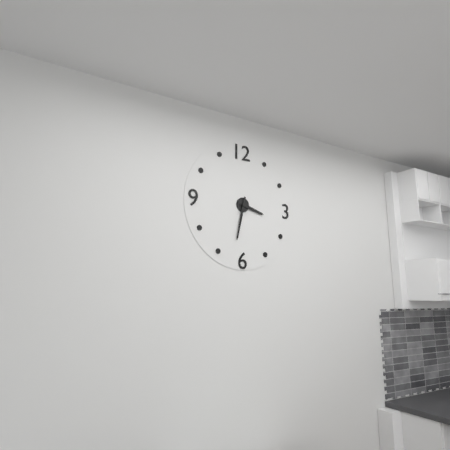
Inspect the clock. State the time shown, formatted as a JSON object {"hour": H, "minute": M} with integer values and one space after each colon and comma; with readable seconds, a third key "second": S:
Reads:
{"hour": 3, "minute": 32}
